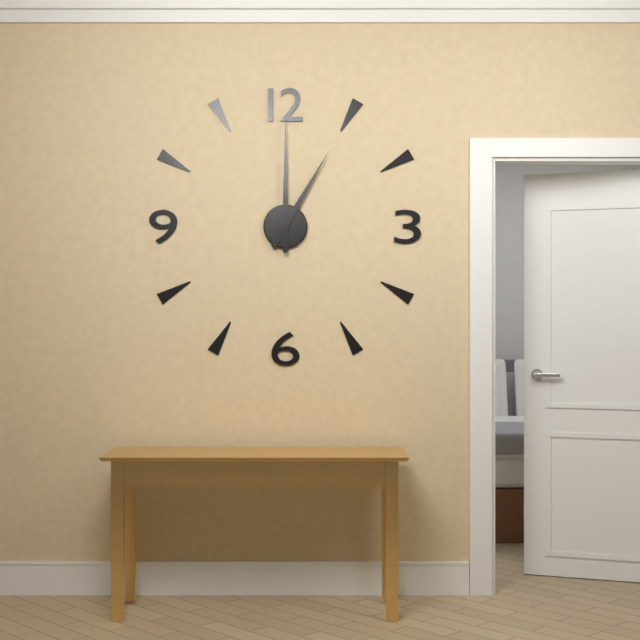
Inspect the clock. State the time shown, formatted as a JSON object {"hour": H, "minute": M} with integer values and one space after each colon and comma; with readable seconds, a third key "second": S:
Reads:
{"hour": 1, "minute": 0}
